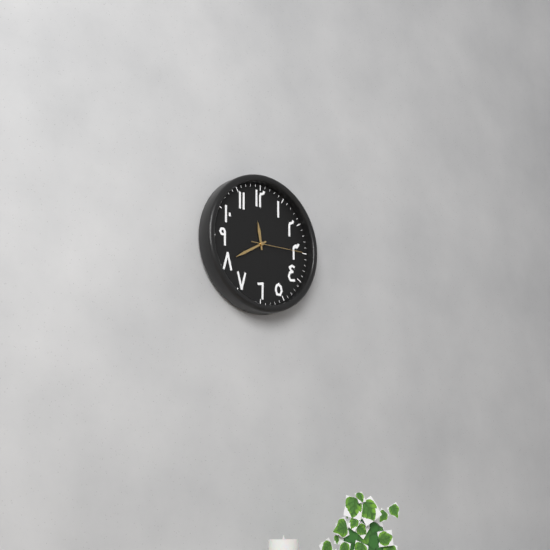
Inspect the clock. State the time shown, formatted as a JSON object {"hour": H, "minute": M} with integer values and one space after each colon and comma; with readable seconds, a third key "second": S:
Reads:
{"hour": 11, "minute": 40, "second": 15}
